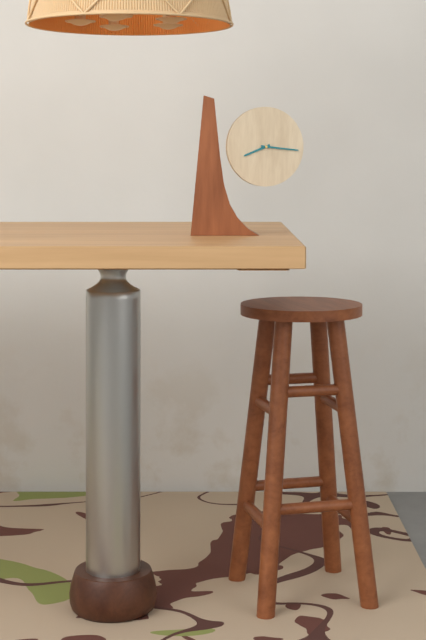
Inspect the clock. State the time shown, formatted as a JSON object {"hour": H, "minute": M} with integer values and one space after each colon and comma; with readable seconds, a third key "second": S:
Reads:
{"hour": 8, "minute": 16}
